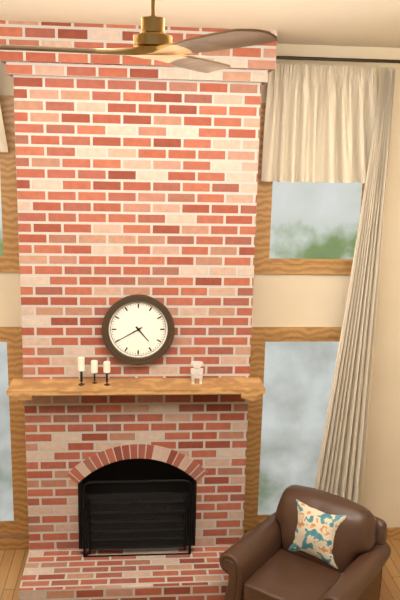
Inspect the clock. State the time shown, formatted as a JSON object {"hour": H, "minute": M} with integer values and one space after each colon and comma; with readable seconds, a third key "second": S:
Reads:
{"hour": 4, "minute": 40}
